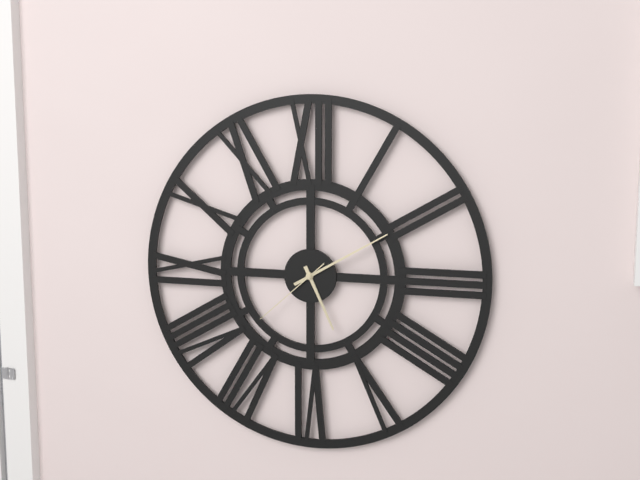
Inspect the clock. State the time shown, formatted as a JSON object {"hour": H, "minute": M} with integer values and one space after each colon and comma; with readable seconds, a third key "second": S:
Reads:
{"hour": 5, "minute": 10, "second": 38}
